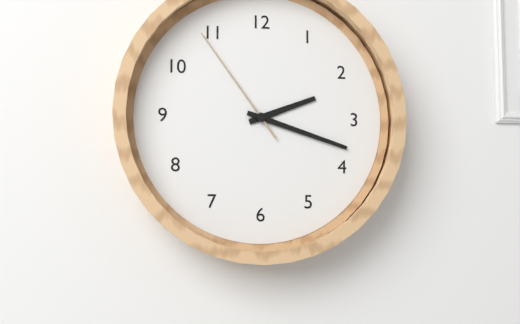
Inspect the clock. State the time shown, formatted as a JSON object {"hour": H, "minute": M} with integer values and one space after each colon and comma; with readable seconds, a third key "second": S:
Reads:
{"hour": 2, "minute": 18, "second": 54}
